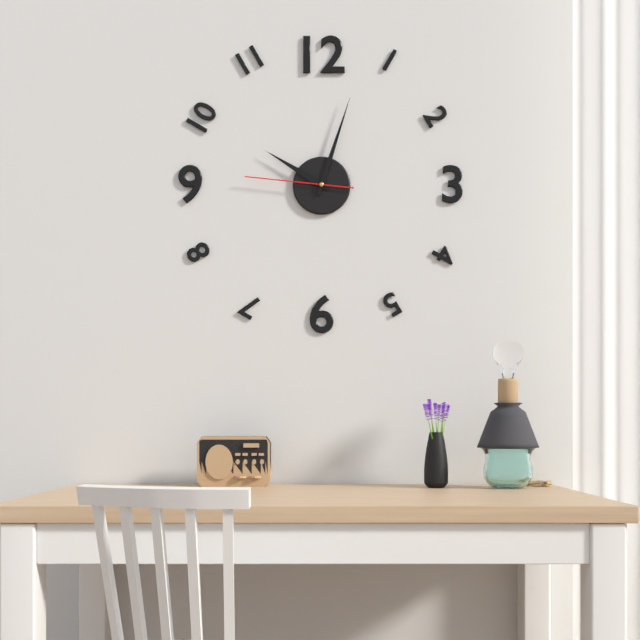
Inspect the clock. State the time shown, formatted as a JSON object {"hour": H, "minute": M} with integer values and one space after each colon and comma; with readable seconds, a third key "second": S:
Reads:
{"hour": 10, "minute": 3, "second": 46}
